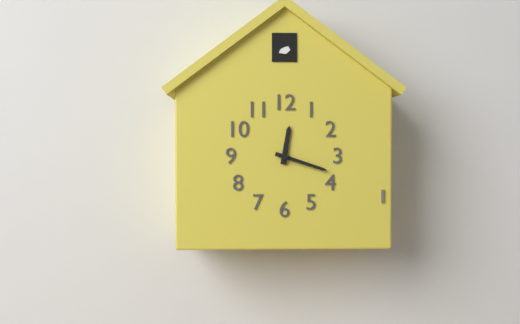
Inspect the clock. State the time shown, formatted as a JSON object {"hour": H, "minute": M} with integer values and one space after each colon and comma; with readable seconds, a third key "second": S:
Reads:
{"hour": 12, "minute": 18}
